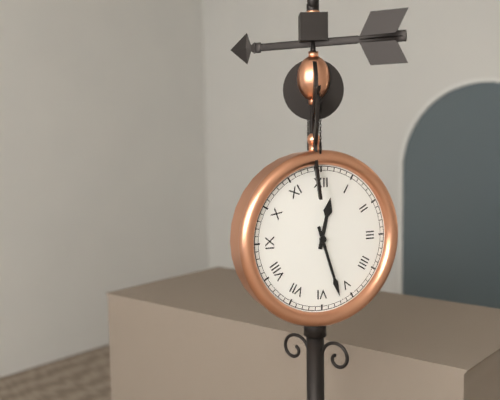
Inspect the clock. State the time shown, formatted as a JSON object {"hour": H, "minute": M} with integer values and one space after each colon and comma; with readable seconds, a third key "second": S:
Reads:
{"hour": 12, "minute": 27}
